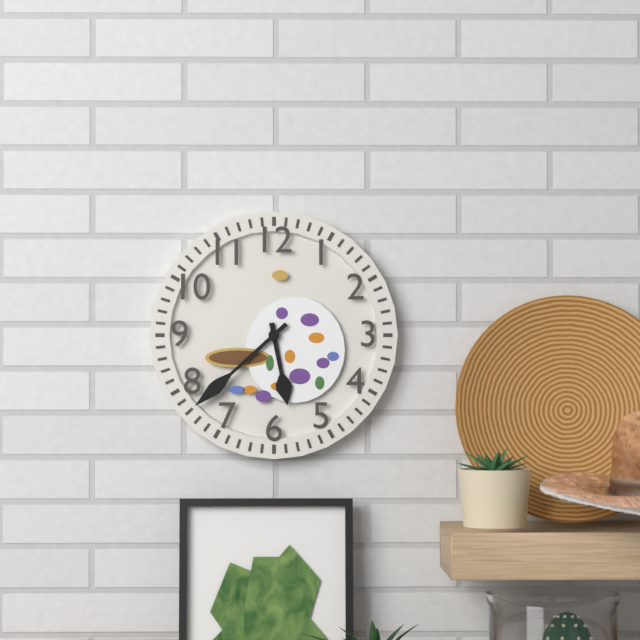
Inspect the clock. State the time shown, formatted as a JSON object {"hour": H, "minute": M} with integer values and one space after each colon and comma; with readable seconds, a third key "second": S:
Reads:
{"hour": 5, "minute": 38}
